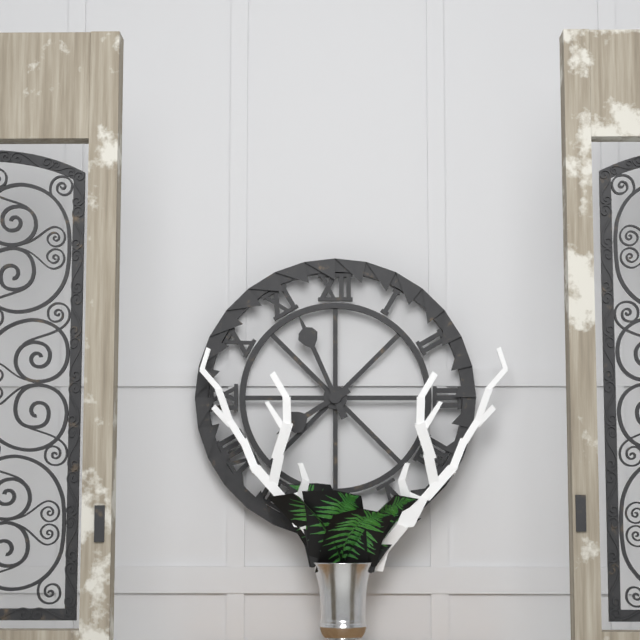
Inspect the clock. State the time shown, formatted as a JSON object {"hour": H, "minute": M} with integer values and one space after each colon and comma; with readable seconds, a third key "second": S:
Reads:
{"hour": 7, "minute": 56}
